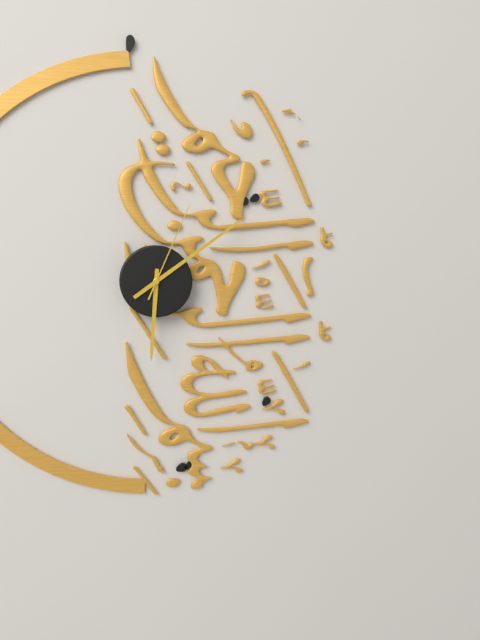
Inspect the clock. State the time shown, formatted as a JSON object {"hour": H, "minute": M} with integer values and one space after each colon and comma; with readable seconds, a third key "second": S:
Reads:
{"hour": 6, "minute": 9, "second": 4}
